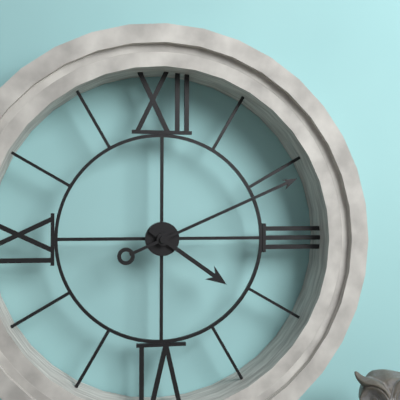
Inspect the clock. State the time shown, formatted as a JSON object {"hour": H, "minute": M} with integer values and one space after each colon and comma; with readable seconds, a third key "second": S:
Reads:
{"hour": 4, "minute": 11}
